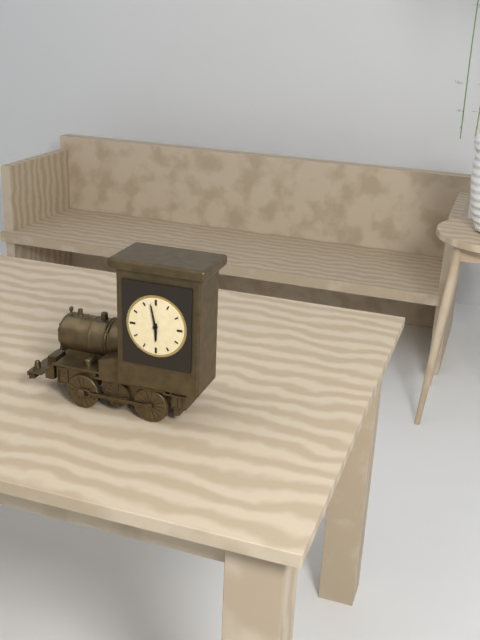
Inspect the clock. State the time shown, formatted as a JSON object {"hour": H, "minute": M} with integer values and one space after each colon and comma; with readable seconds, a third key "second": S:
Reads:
{"hour": 5, "minute": 58}
